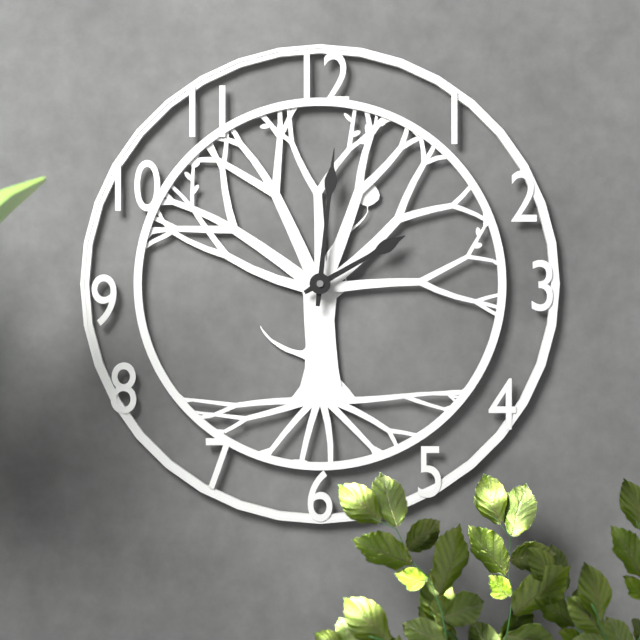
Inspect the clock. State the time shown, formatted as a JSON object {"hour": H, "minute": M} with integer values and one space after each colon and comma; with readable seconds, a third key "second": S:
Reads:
{"hour": 2, "minute": 1}
